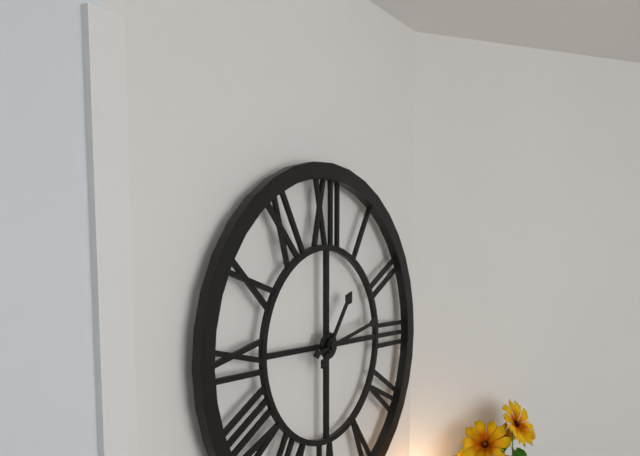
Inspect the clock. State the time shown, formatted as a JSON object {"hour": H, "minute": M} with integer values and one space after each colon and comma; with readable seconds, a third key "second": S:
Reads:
{"hour": 1, "minute": 13}
